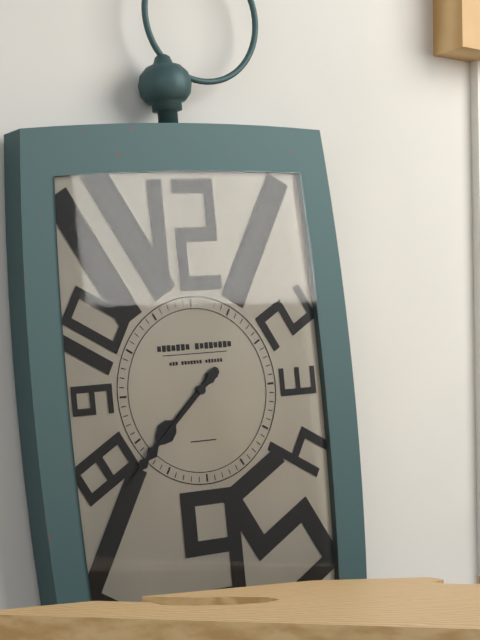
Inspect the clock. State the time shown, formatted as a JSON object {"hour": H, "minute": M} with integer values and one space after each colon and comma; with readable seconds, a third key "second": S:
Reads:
{"hour": 7, "minute": 38}
